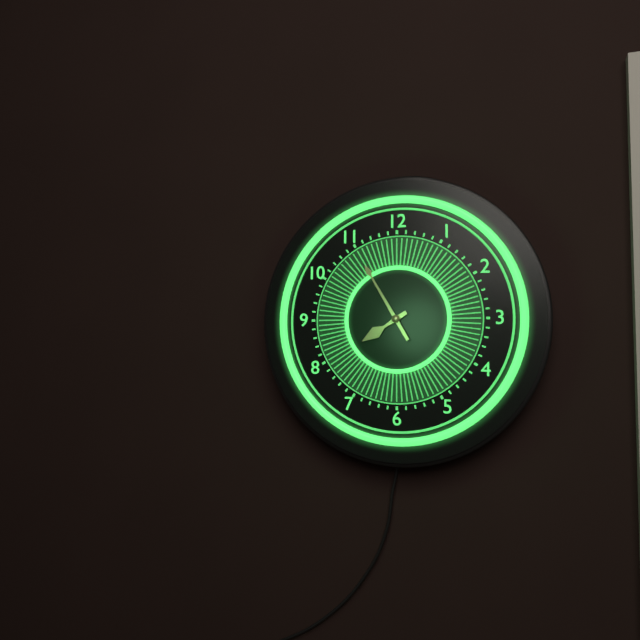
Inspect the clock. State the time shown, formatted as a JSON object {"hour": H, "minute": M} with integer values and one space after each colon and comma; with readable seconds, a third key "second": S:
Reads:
{"hour": 7, "minute": 55}
